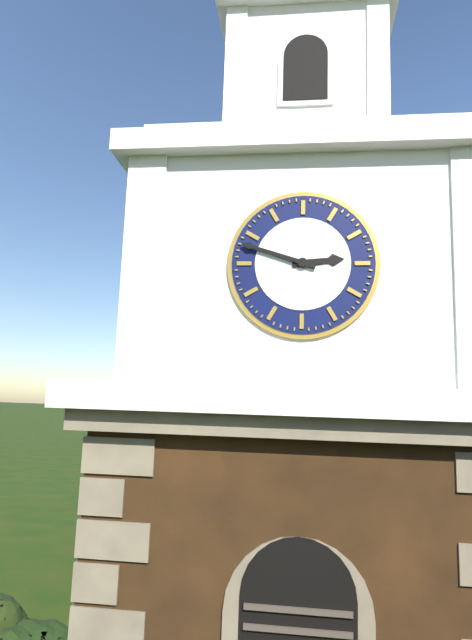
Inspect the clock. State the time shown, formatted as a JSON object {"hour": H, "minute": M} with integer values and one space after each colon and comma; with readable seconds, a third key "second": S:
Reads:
{"hour": 2, "minute": 48}
